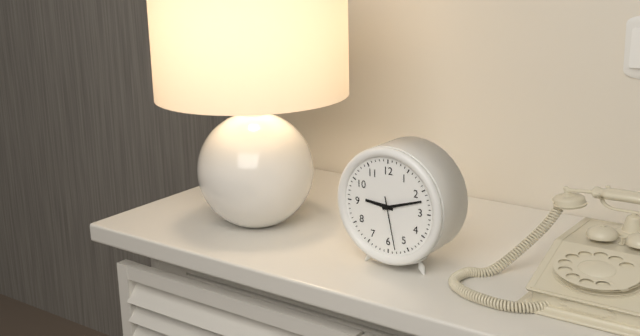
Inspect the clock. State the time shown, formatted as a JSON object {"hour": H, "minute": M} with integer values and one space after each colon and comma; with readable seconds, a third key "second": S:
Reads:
{"hour": 9, "minute": 12, "second": 28}
